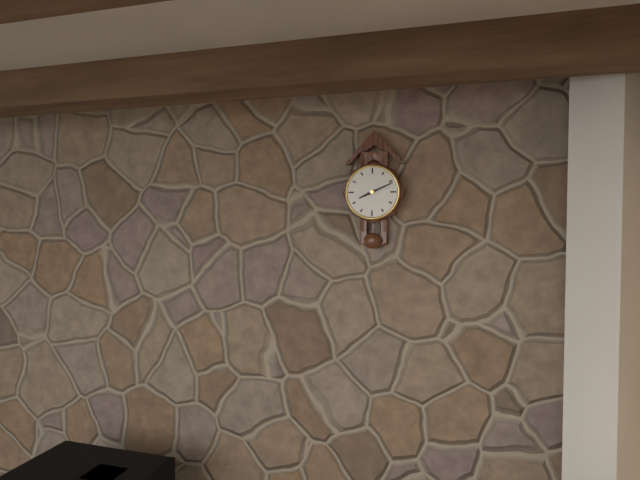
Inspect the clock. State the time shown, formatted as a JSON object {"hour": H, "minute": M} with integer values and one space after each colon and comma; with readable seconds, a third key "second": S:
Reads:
{"hour": 8, "minute": 11}
